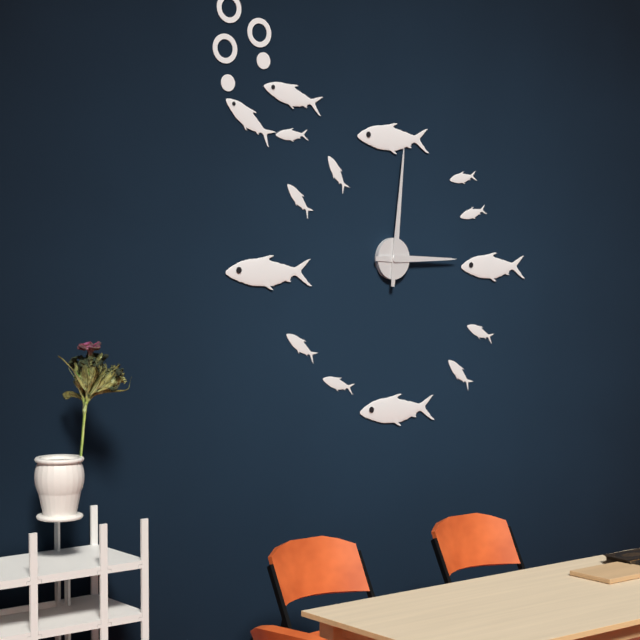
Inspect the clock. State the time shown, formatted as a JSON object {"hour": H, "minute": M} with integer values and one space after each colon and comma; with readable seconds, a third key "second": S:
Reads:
{"hour": 3, "minute": 1}
